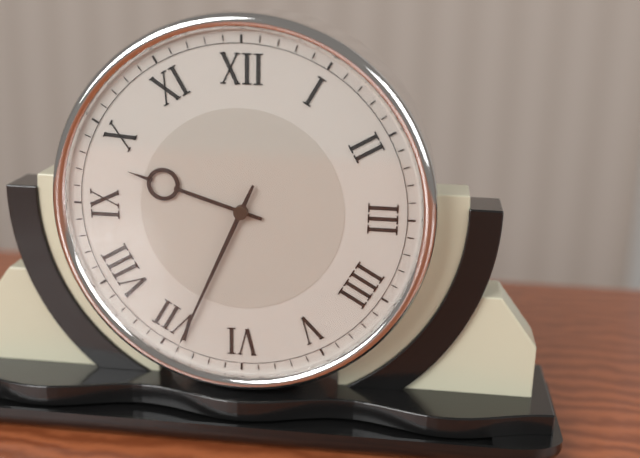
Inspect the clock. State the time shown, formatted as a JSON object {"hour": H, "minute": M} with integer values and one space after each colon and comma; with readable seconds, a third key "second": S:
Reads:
{"hour": 9, "minute": 34}
